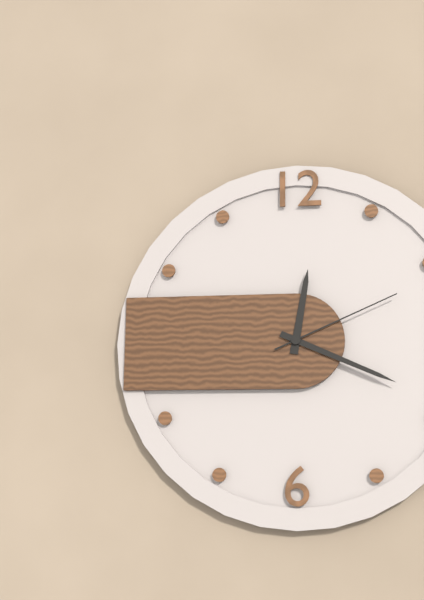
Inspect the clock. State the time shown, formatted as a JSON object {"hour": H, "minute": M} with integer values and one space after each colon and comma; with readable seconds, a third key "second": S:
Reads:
{"hour": 12, "minute": 19, "second": 11}
